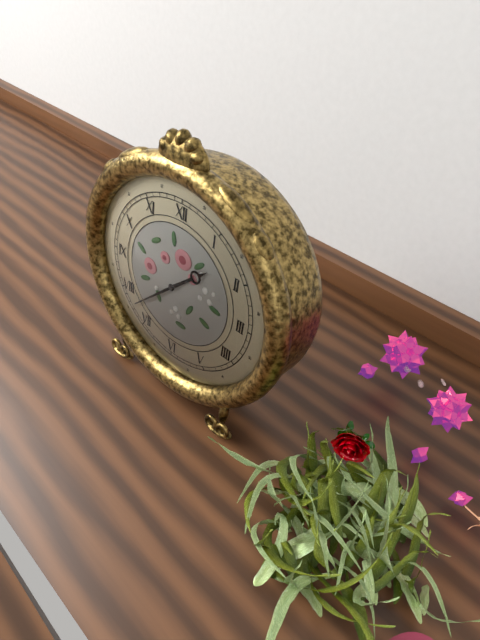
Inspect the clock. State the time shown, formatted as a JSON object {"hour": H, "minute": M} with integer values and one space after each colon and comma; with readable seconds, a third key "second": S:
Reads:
{"hour": 1, "minute": 38}
